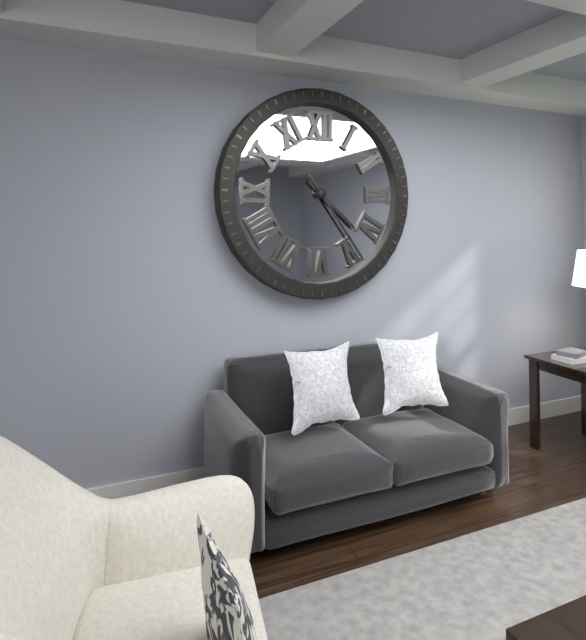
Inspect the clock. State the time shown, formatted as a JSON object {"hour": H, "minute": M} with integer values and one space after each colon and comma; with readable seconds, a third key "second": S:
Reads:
{"hour": 4, "minute": 24}
